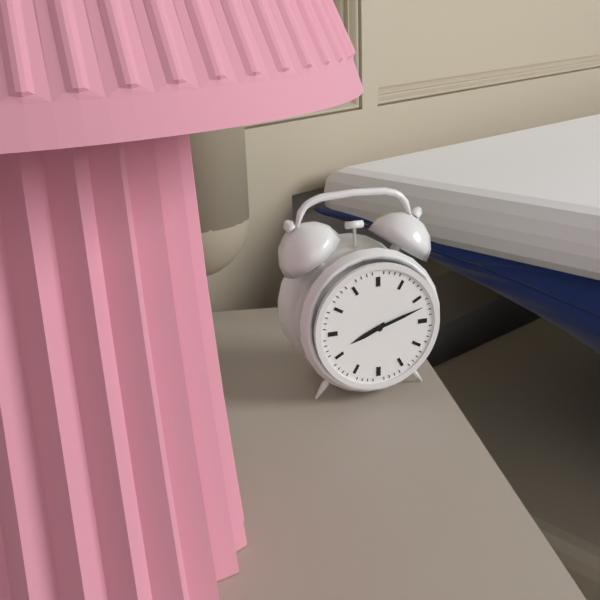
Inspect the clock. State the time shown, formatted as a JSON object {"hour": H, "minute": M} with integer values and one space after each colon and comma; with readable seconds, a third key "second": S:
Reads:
{"hour": 8, "minute": 12}
